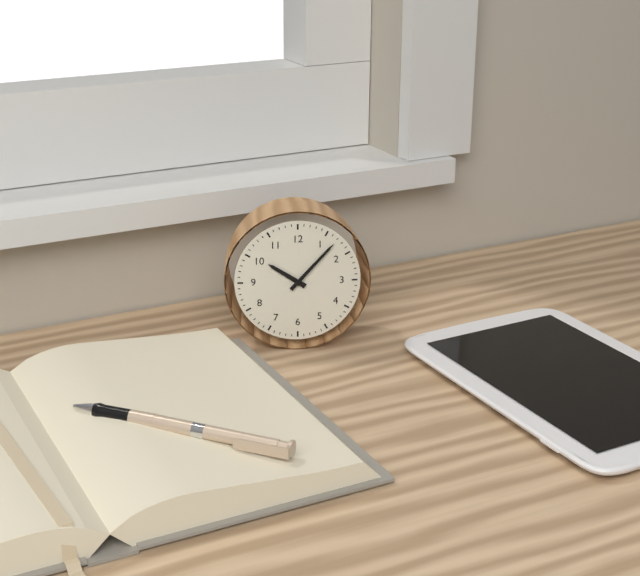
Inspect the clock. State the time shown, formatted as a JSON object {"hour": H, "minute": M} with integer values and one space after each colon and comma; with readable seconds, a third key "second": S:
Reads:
{"hour": 10, "minute": 7}
